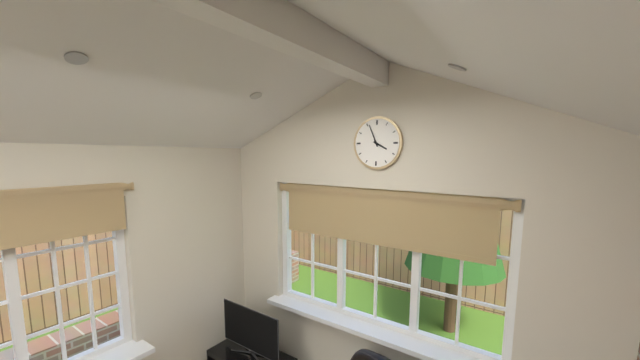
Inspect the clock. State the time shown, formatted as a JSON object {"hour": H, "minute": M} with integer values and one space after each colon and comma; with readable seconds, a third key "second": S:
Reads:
{"hour": 3, "minute": 56}
